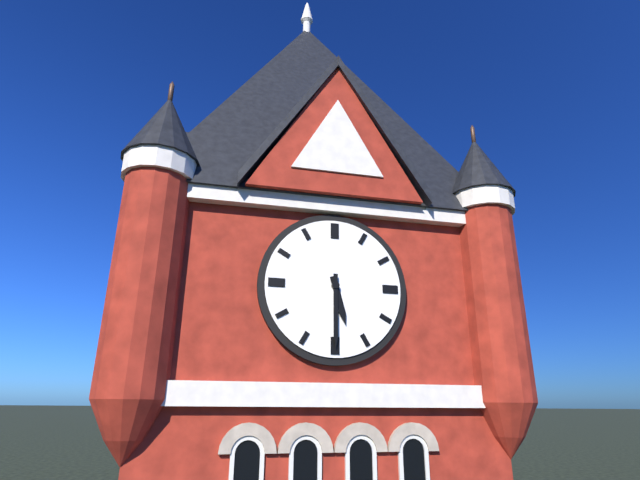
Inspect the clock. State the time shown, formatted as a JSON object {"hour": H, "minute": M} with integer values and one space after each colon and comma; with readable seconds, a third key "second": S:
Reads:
{"hour": 5, "minute": 30}
